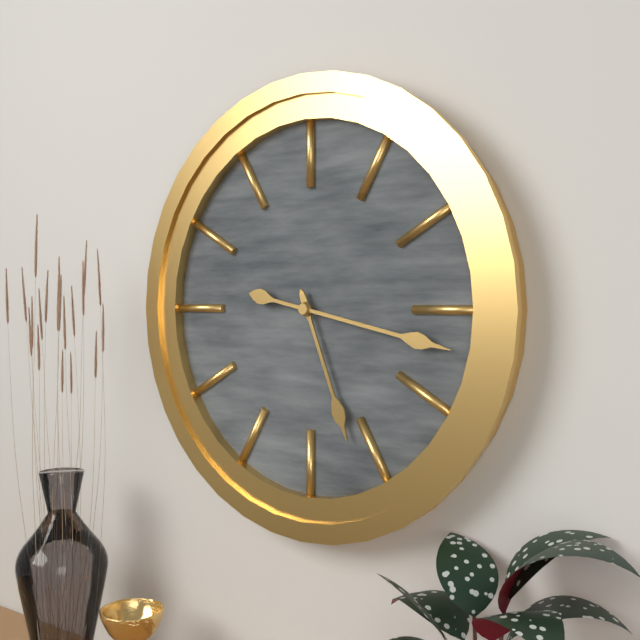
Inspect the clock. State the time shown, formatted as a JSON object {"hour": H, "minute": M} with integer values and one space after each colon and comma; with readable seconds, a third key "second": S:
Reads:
{"hour": 5, "minute": 17}
